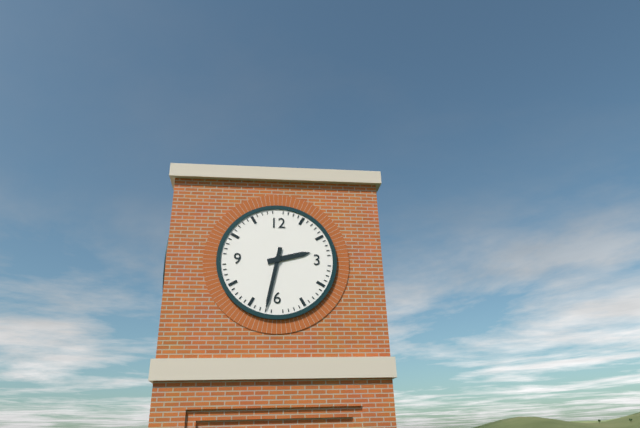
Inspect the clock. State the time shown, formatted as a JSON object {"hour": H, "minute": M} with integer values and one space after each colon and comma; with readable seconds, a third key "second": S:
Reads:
{"hour": 2, "minute": 32}
